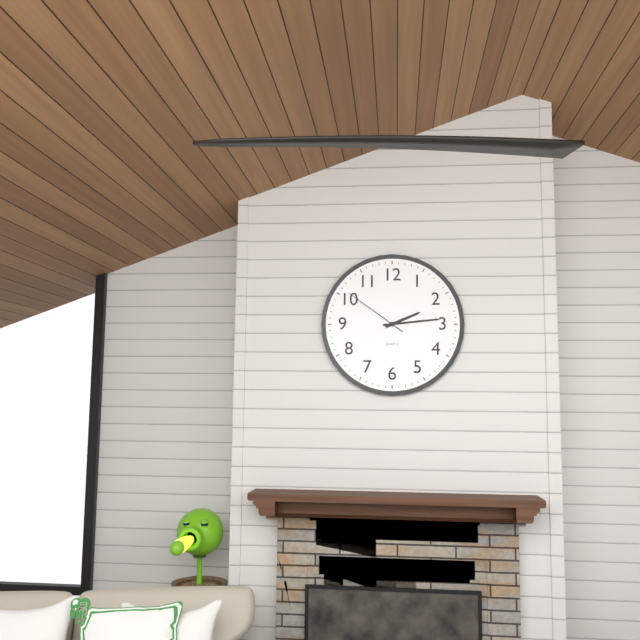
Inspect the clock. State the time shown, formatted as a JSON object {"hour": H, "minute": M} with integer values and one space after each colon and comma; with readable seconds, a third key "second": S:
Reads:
{"hour": 2, "minute": 14, "second": 51}
